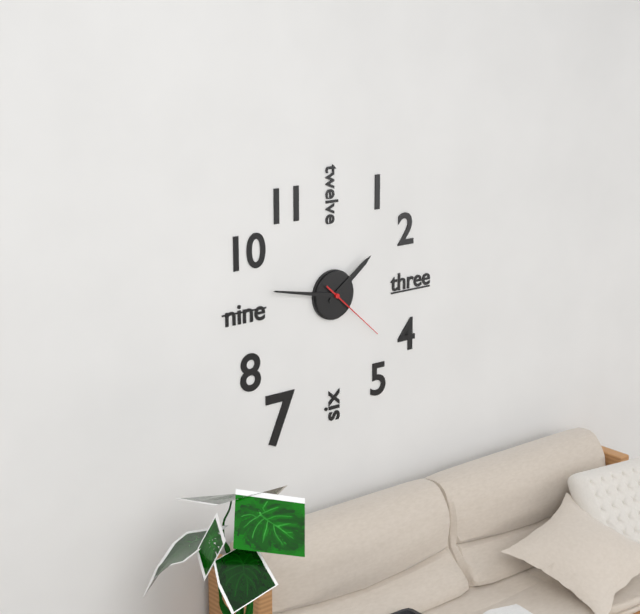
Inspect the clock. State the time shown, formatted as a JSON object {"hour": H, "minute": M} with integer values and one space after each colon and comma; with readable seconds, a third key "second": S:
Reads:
{"hour": 1, "minute": 47, "second": 22}
